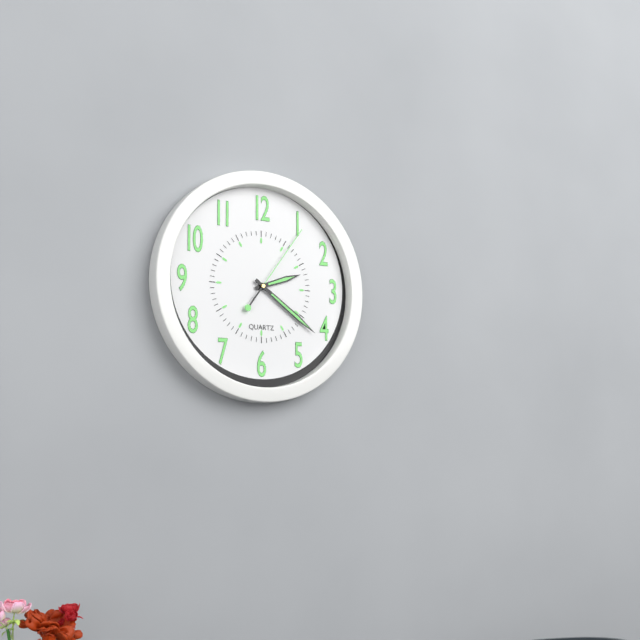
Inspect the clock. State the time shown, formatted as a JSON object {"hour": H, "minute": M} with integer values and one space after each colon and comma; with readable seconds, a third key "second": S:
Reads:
{"hour": 2, "minute": 21, "second": 6}
